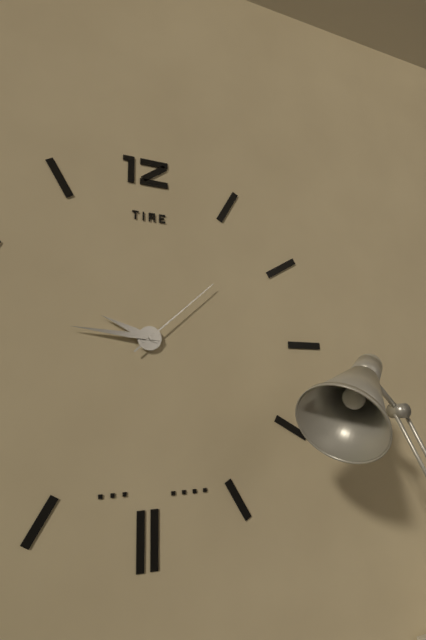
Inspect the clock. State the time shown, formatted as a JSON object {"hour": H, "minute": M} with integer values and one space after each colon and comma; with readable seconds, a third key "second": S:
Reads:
{"hour": 9, "minute": 46, "second": 8}
